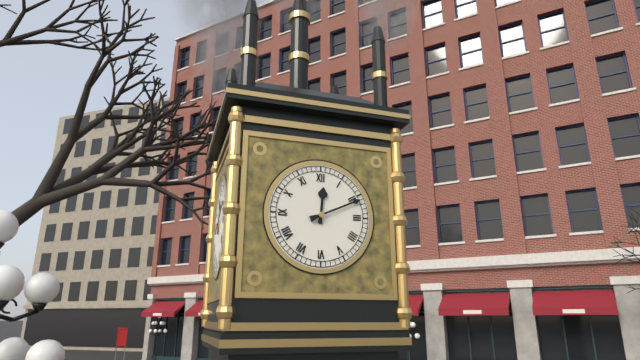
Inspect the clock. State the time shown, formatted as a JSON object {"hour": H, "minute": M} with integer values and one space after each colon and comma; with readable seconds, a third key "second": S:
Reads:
{"hour": 12, "minute": 11}
